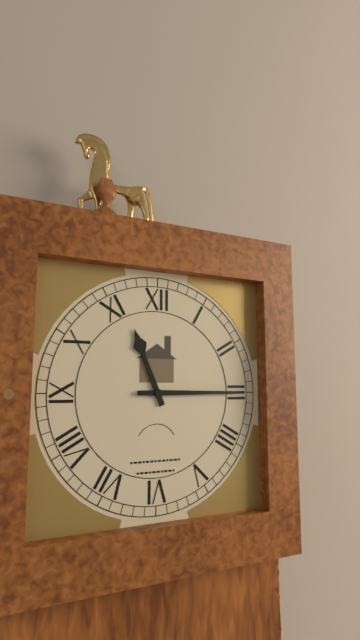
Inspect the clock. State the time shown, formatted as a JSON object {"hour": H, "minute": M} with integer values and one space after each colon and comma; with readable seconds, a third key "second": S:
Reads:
{"hour": 11, "minute": 15}
